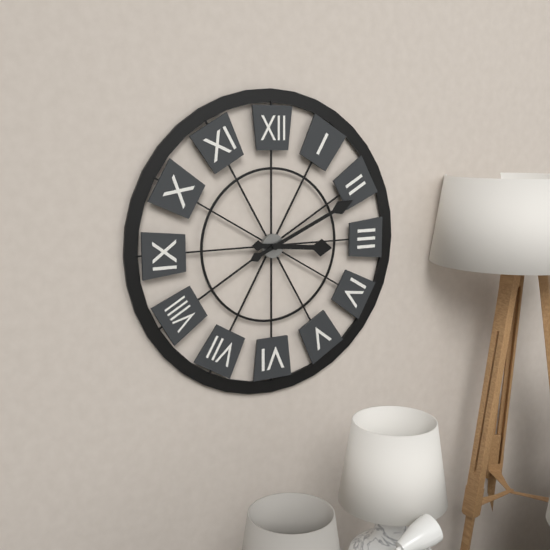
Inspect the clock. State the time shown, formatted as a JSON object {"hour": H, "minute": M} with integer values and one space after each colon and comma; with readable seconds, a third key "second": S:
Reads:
{"hour": 3, "minute": 11}
